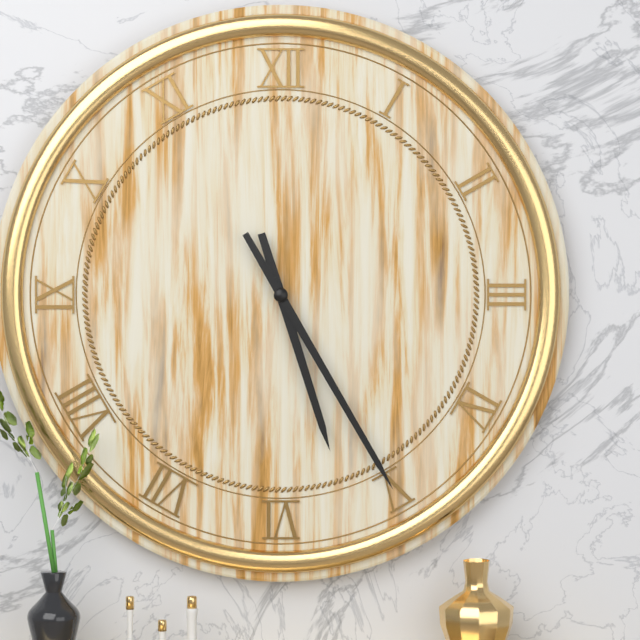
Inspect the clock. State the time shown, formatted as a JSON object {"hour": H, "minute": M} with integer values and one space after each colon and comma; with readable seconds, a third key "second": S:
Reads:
{"hour": 5, "minute": 25}
